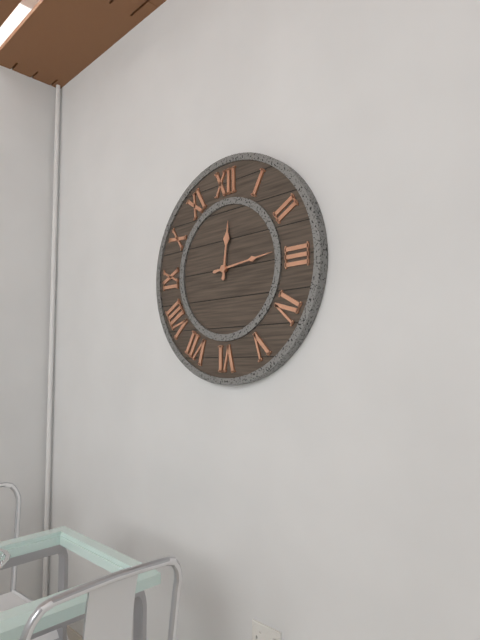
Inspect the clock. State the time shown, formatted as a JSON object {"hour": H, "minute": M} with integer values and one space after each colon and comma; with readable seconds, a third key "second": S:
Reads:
{"hour": 12, "minute": 14}
